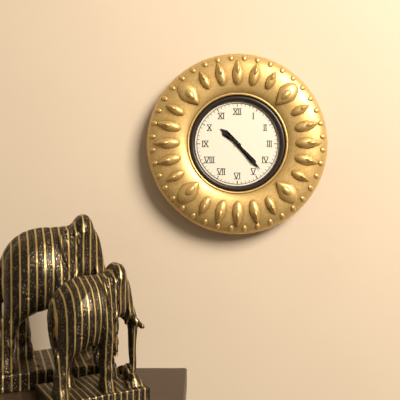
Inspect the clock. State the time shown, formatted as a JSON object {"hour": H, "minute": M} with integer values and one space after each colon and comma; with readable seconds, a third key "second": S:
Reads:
{"hour": 10, "minute": 23}
